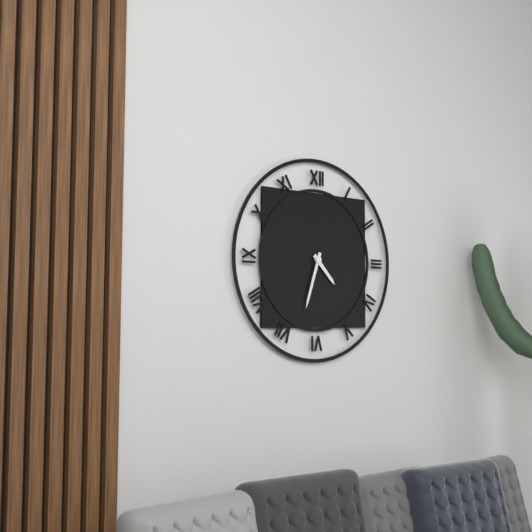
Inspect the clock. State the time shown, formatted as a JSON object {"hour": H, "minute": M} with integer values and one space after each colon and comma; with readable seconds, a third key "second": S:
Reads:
{"hour": 4, "minute": 33}
